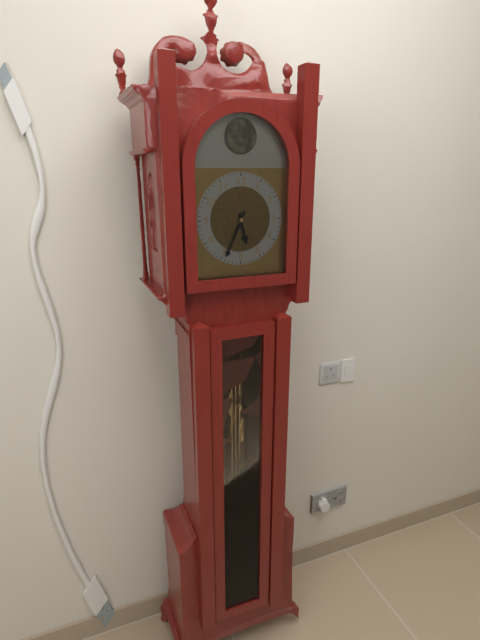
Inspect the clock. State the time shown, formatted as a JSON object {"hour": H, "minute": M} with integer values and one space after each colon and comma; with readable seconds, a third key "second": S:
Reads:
{"hour": 5, "minute": 34}
